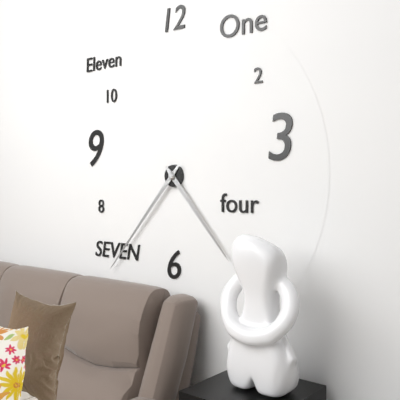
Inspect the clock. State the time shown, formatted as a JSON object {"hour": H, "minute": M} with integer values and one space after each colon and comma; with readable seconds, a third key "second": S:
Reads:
{"hour": 4, "minute": 37}
